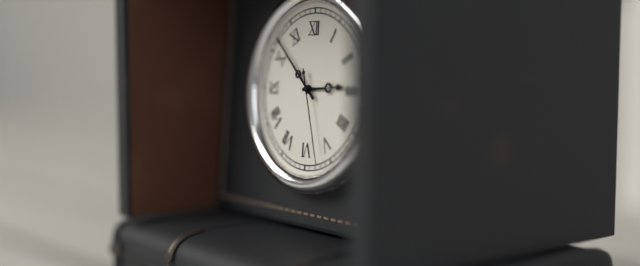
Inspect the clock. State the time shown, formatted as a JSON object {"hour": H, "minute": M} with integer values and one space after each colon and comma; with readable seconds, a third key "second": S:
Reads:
{"hour": 2, "minute": 52, "second": 27}
